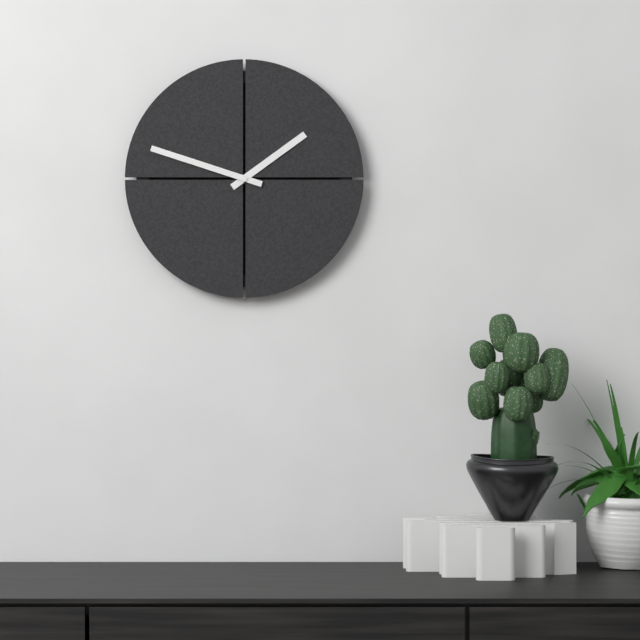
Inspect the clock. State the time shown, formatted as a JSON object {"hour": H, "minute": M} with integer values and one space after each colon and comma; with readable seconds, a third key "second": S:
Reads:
{"hour": 1, "minute": 48}
